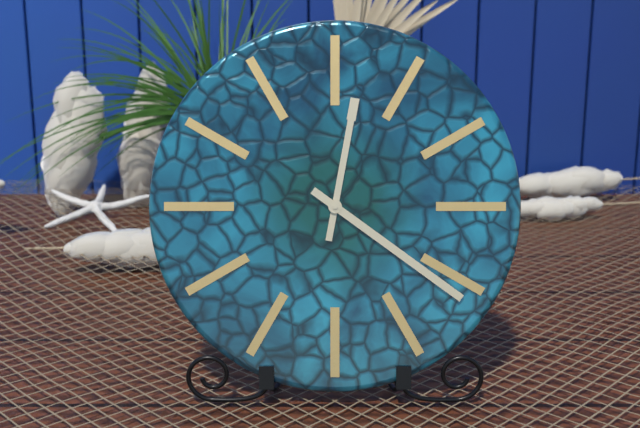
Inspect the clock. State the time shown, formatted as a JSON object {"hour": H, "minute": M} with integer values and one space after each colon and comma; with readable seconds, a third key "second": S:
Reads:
{"hour": 12, "minute": 21}
